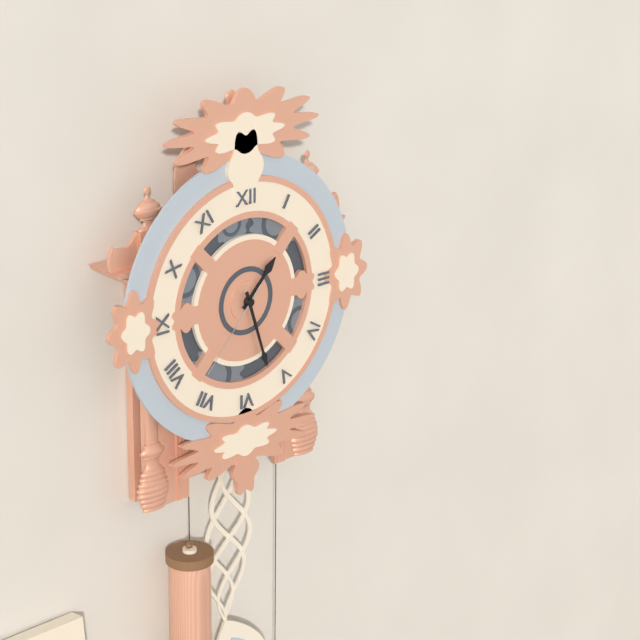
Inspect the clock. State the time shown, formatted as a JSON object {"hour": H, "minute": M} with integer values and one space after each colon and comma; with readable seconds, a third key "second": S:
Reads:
{"hour": 1, "minute": 27, "second": 37}
